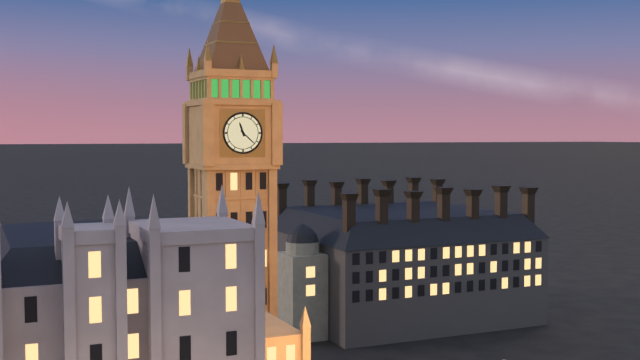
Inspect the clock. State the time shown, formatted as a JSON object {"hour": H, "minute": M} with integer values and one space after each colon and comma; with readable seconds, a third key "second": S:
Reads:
{"hour": 11, "minute": 22}
